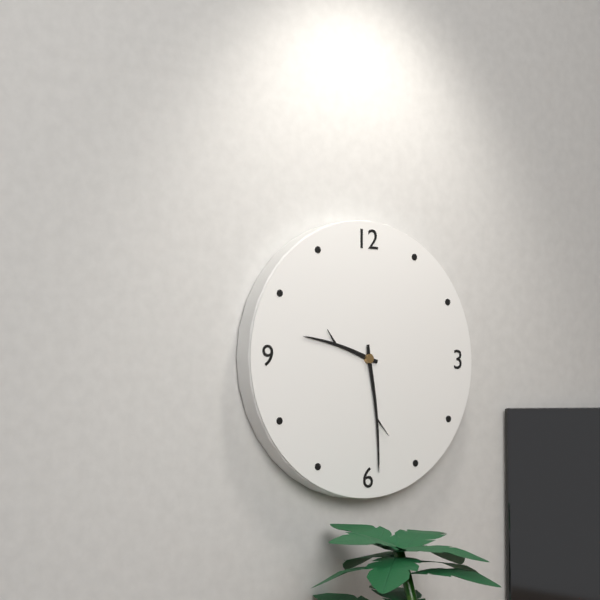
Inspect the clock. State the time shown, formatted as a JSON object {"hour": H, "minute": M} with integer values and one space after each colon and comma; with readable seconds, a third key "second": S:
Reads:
{"hour": 9, "minute": 29}
